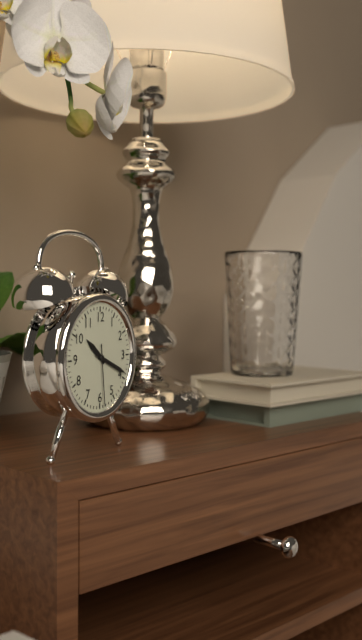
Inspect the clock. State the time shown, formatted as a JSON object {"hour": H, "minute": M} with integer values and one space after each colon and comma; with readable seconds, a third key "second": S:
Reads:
{"hour": 10, "minute": 19, "second": 29}
